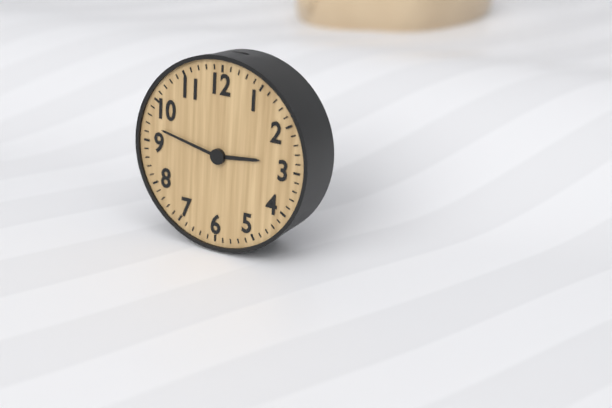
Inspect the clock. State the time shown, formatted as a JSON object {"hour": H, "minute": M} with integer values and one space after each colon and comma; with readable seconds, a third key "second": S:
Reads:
{"hour": 2, "minute": 47}
